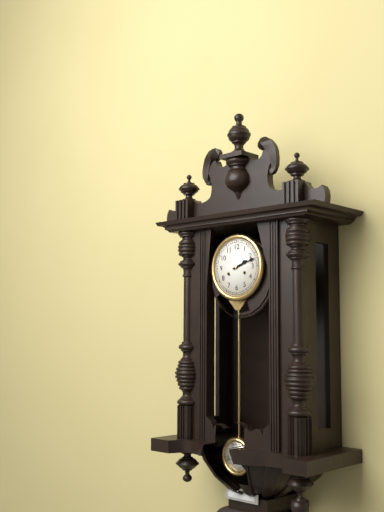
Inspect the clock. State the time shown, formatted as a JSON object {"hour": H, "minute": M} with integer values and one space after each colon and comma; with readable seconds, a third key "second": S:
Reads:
{"hour": 2, "minute": 12}
